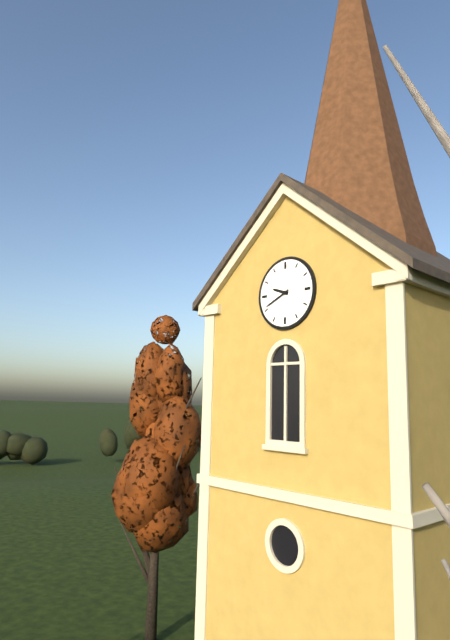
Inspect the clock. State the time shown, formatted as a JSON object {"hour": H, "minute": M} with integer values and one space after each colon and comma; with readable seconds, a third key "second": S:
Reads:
{"hour": 9, "minute": 41}
